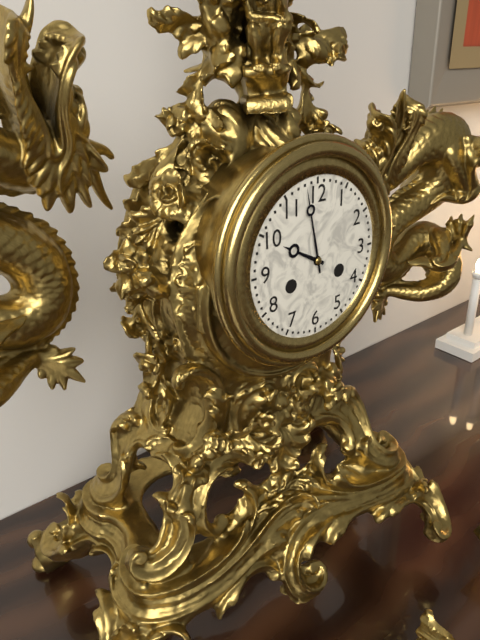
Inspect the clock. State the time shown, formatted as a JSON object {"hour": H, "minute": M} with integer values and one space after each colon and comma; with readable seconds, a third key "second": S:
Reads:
{"hour": 9, "minute": 58}
